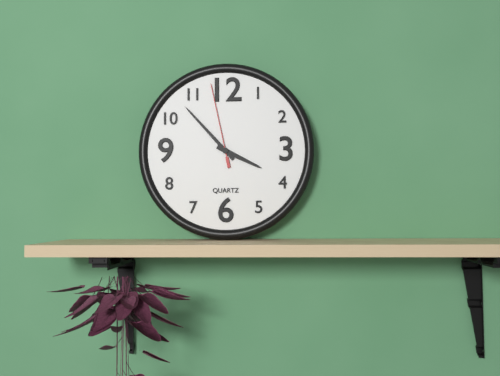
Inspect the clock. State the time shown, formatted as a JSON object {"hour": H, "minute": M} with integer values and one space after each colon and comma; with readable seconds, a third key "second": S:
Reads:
{"hour": 3, "minute": 53, "second": 58}
